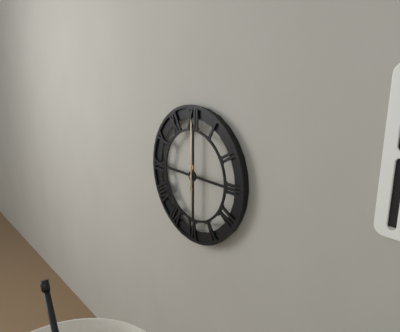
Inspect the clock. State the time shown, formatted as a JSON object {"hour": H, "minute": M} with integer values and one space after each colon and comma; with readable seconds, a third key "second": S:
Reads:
{"hour": 6, "minute": 0}
